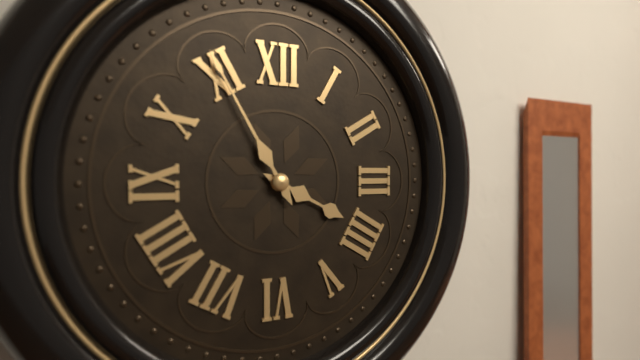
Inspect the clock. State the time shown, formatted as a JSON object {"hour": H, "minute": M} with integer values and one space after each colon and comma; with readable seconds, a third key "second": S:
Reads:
{"hour": 3, "minute": 55}
